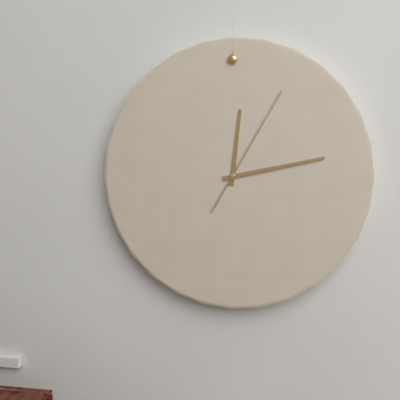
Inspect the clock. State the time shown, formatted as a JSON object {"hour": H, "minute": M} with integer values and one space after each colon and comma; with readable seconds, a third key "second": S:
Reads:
{"hour": 12, "minute": 13, "second": 5}
